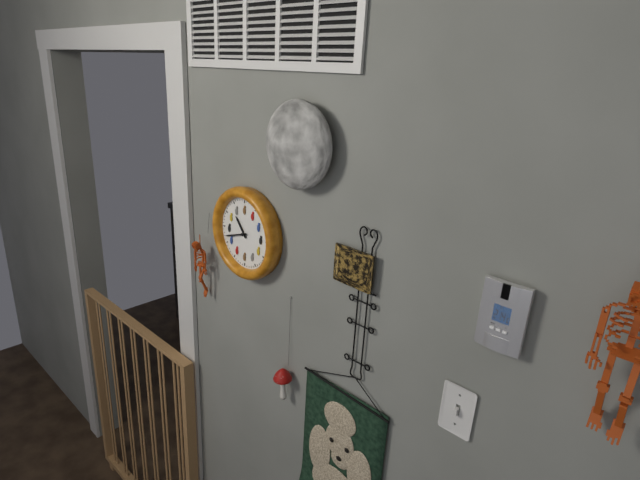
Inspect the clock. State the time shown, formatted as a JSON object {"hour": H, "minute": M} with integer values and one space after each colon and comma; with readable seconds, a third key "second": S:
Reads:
{"hour": 10, "minute": 42}
